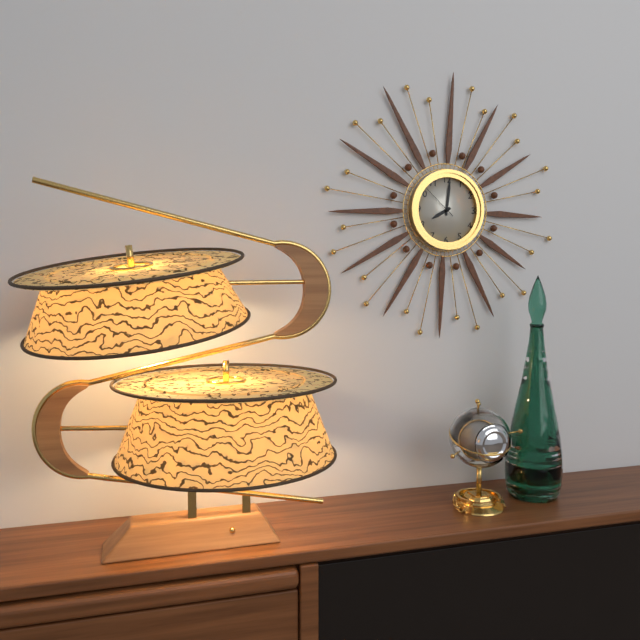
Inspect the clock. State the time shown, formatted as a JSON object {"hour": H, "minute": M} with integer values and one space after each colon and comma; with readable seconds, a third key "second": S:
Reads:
{"hour": 8, "minute": 1}
